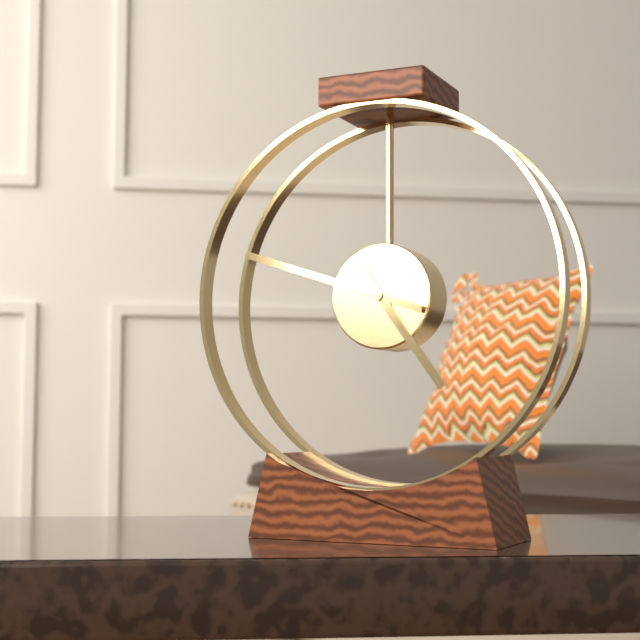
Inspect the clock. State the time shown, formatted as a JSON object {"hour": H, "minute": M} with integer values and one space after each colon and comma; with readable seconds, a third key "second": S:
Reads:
{"hour": 4, "minute": 48}
